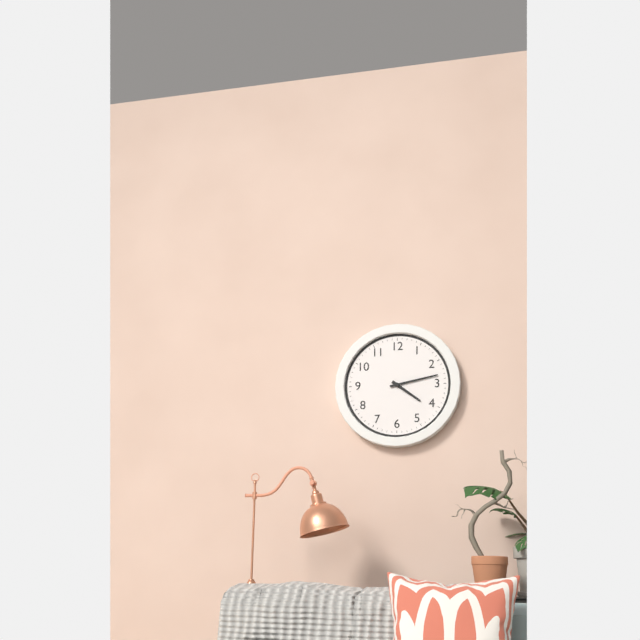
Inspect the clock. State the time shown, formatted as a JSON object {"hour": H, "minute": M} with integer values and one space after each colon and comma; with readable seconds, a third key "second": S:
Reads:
{"hour": 4, "minute": 13}
